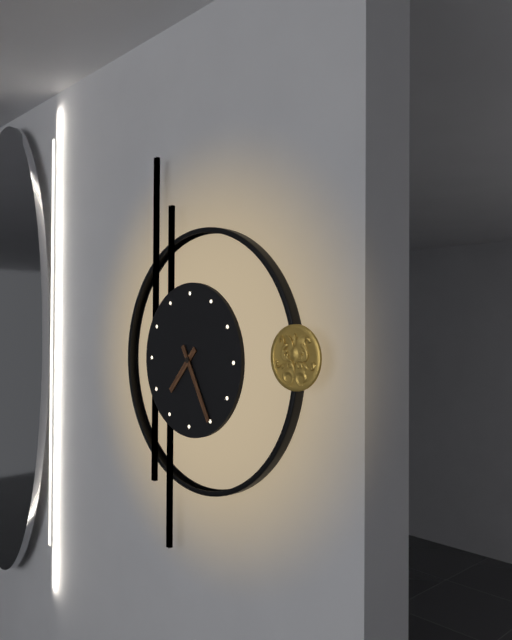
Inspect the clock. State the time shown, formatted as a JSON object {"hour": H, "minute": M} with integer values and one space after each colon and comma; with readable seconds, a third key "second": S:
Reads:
{"hour": 7, "minute": 25}
